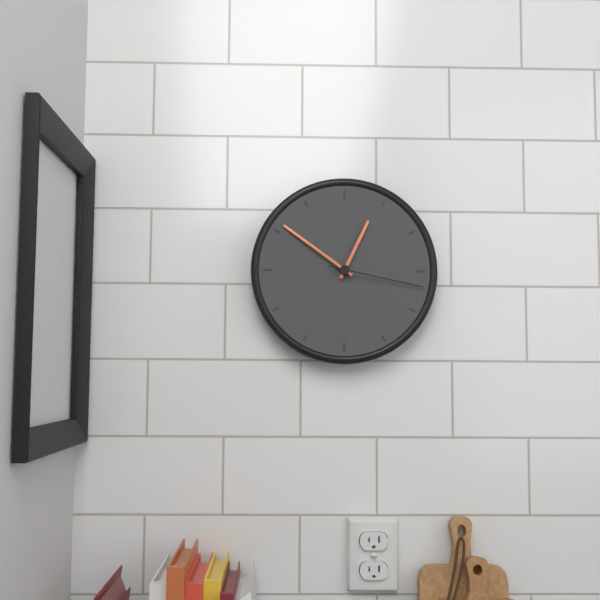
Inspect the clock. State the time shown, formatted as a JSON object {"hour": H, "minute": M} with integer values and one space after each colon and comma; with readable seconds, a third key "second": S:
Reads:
{"hour": 12, "minute": 51, "second": 17}
